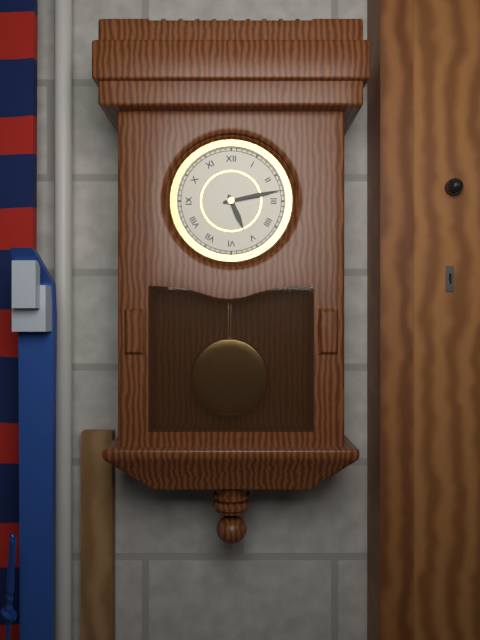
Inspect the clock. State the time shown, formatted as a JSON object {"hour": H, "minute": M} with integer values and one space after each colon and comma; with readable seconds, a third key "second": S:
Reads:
{"hour": 5, "minute": 13}
